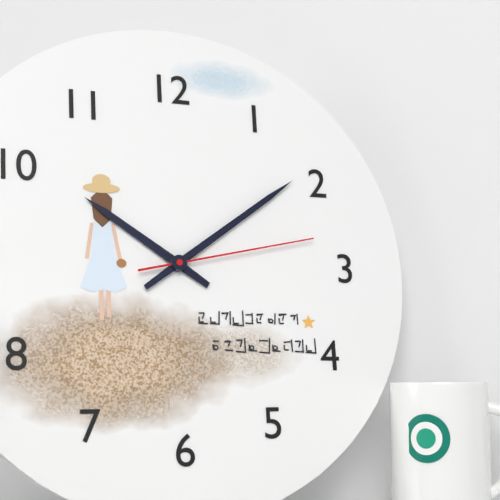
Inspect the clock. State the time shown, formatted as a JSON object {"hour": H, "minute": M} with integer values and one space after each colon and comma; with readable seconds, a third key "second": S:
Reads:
{"hour": 10, "minute": 9, "second": 13}
